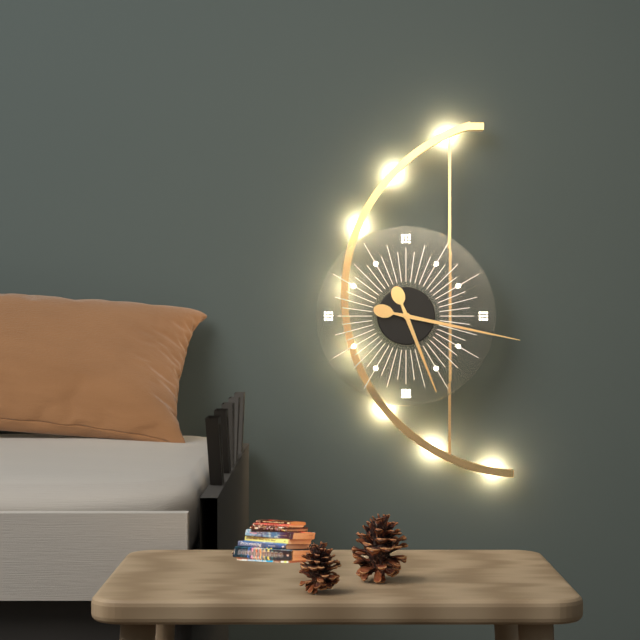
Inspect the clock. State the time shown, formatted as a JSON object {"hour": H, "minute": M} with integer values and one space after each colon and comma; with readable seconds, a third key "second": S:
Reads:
{"hour": 5, "minute": 17}
